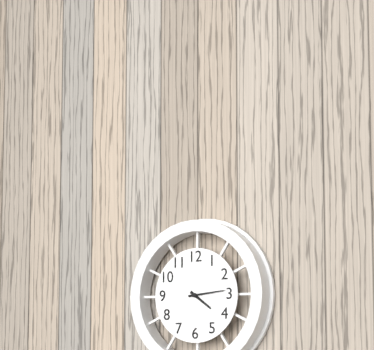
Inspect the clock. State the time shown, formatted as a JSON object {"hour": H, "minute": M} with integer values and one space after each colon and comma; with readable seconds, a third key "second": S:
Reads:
{"hour": 4, "minute": 14}
